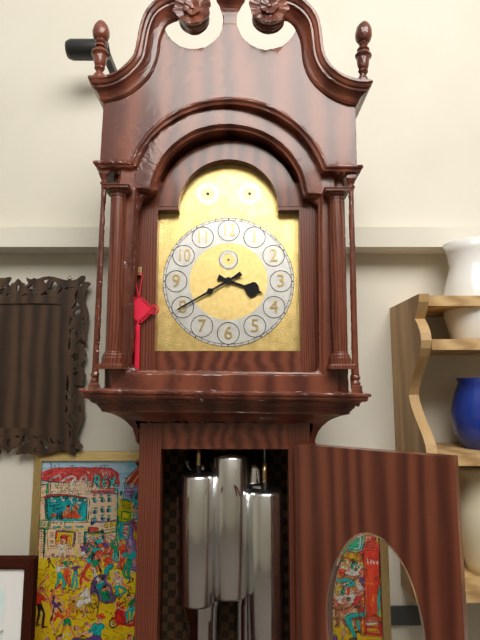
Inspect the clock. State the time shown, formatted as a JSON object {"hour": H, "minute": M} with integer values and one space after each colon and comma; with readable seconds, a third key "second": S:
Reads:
{"hour": 3, "minute": 40}
